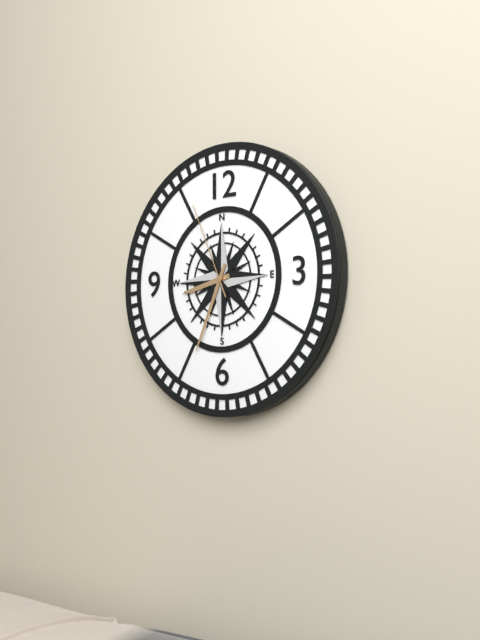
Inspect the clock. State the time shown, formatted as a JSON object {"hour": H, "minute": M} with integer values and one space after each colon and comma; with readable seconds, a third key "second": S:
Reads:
{"hour": 8, "minute": 34, "second": 56}
